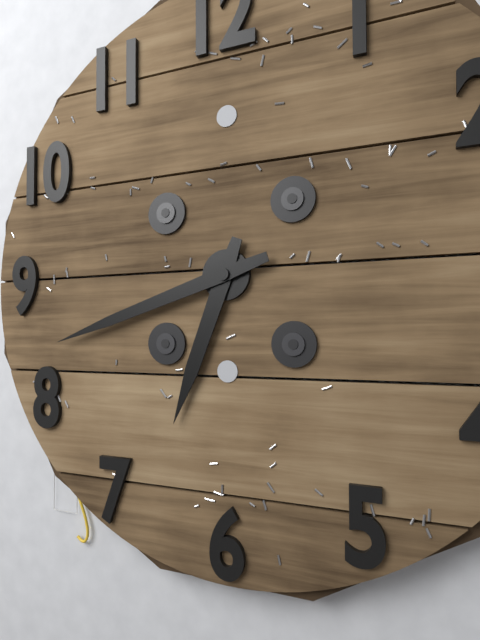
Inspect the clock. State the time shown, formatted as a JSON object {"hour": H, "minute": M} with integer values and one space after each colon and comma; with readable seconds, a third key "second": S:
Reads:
{"hour": 6, "minute": 42}
